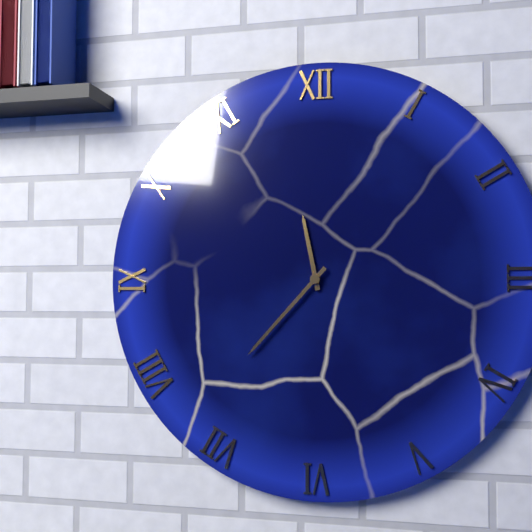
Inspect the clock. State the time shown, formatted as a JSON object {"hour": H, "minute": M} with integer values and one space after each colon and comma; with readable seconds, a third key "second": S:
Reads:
{"hour": 11, "minute": 37}
